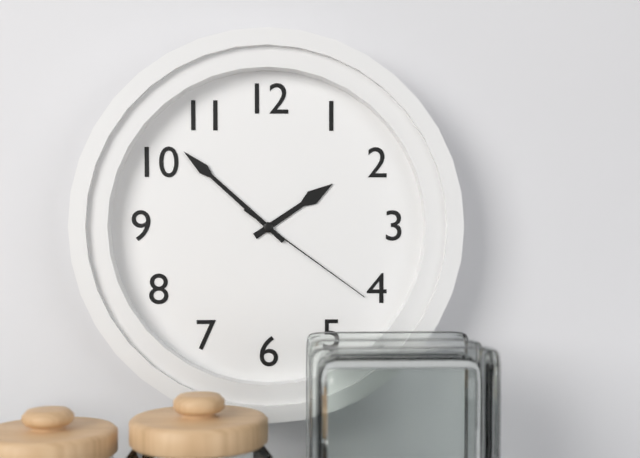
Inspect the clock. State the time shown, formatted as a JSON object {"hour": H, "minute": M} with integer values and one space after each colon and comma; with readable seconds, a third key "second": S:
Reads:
{"hour": 1, "minute": 52, "second": 21}
